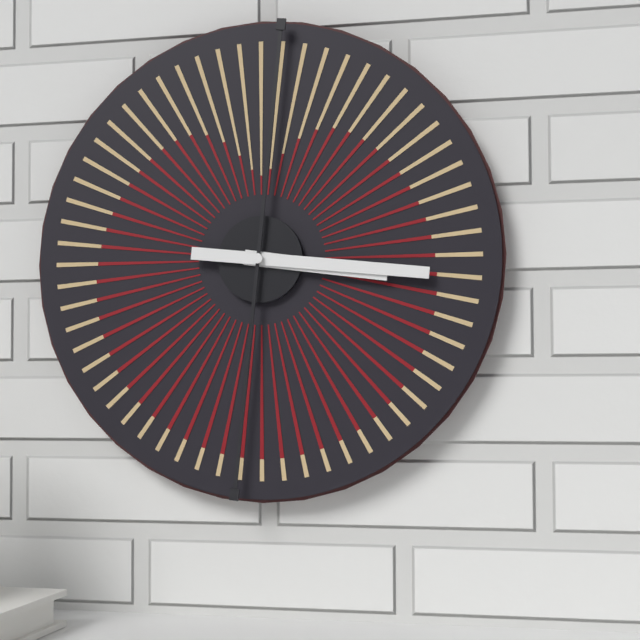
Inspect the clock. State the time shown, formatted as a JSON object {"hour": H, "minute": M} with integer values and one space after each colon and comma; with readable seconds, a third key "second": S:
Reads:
{"hour": 3, "minute": 16}
